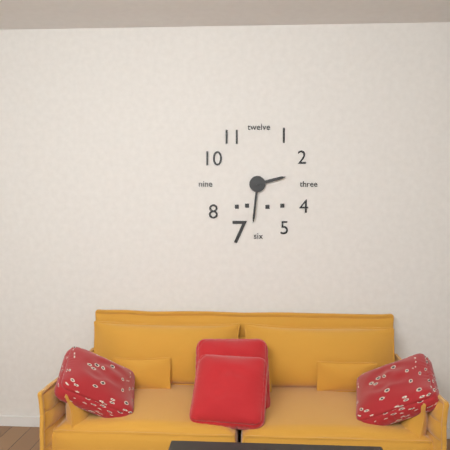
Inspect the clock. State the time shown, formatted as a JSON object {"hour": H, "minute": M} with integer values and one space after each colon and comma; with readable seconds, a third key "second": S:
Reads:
{"hour": 2, "minute": 31}
